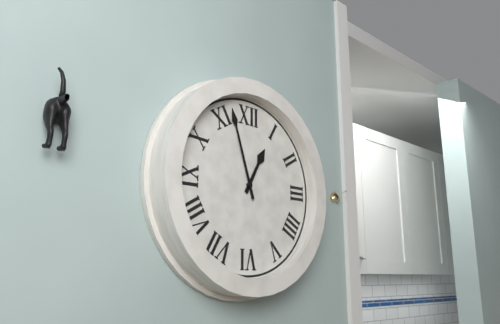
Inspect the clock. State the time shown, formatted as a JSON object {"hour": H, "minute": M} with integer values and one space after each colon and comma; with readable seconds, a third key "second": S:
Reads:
{"hour": 12, "minute": 57}
